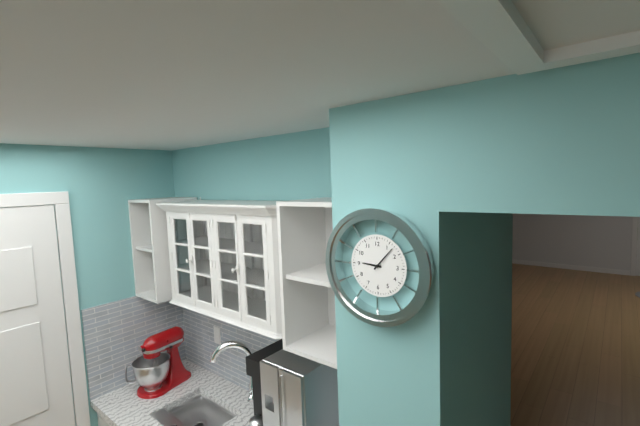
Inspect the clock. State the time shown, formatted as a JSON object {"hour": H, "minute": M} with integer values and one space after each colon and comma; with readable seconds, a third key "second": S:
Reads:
{"hour": 9, "minute": 7}
